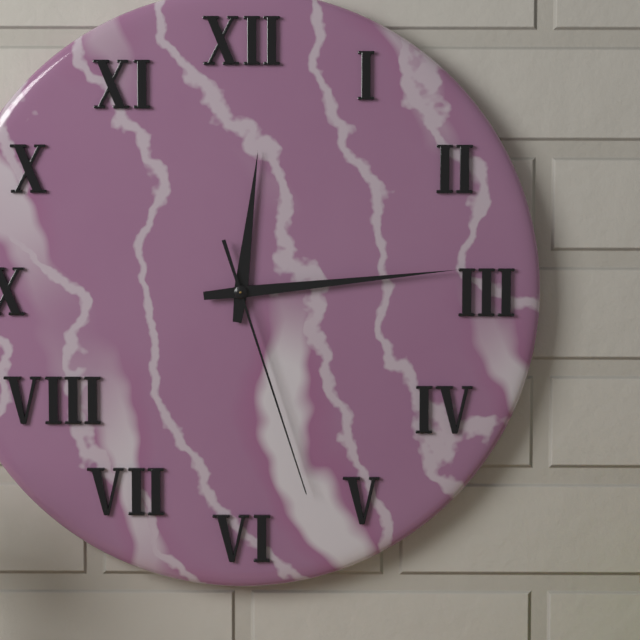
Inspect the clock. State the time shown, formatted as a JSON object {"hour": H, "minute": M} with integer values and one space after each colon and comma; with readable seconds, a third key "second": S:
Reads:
{"hour": 12, "minute": 14, "second": 27}
